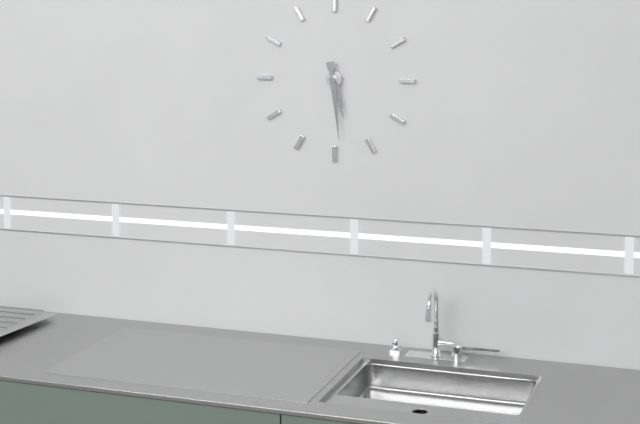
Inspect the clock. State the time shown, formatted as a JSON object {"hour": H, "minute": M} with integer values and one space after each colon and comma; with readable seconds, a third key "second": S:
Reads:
{"hour": 5, "minute": 29}
